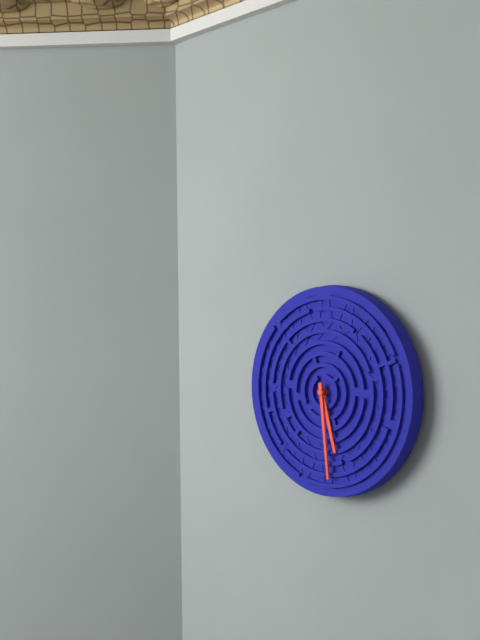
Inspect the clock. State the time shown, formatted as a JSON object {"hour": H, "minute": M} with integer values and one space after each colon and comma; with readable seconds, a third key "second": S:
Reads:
{"hour": 5, "minute": 29}
